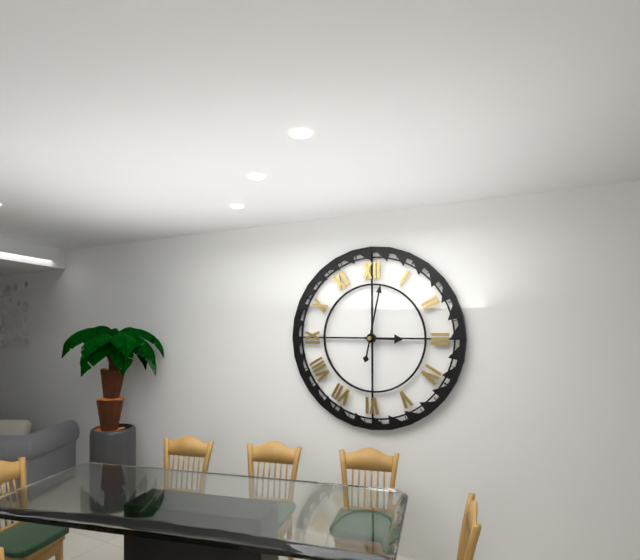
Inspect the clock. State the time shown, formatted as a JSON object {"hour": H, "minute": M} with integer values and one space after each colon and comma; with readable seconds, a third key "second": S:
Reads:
{"hour": 3, "minute": 2}
